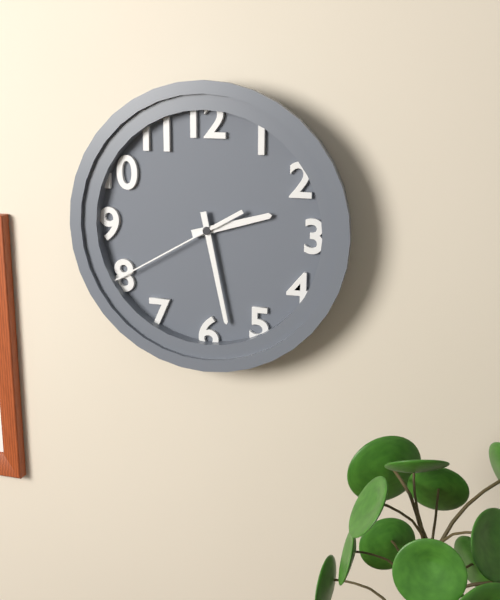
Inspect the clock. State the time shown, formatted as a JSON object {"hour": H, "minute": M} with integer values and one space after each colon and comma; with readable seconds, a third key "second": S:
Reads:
{"hour": 2, "minute": 28, "second": 40}
